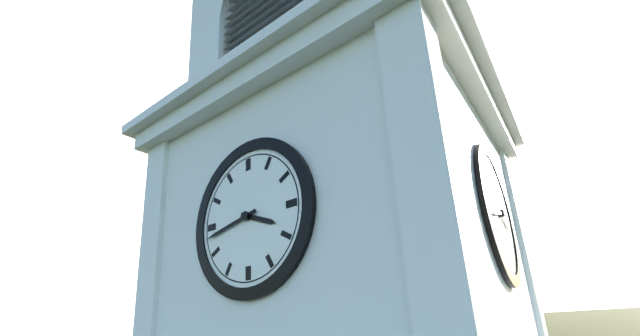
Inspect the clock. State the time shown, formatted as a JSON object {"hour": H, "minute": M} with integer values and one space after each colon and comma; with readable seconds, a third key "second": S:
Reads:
{"hour": 3, "minute": 43}
